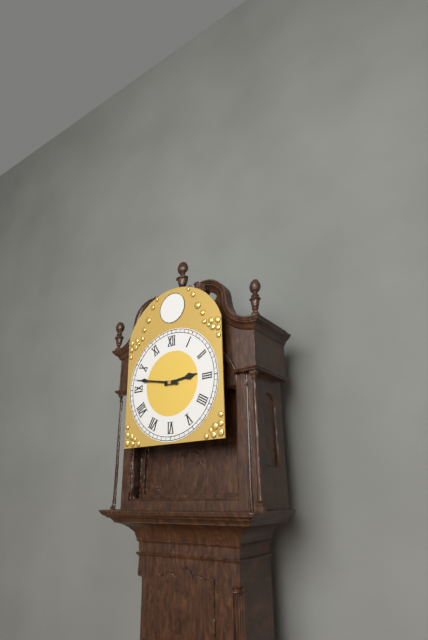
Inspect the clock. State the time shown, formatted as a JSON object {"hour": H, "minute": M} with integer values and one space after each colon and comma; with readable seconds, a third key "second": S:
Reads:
{"hour": 2, "minute": 47}
